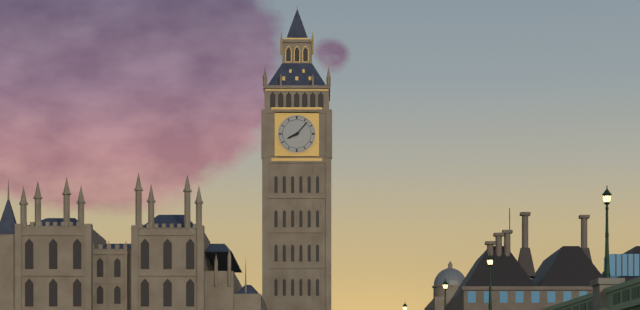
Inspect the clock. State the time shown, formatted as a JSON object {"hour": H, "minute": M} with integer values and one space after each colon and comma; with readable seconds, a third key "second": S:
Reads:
{"hour": 8, "minute": 7}
